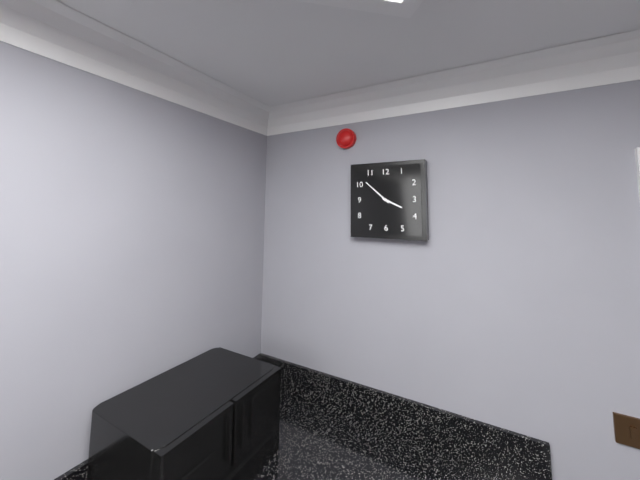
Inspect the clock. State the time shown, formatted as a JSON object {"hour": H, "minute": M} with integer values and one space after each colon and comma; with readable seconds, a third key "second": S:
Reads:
{"hour": 3, "minute": 52}
